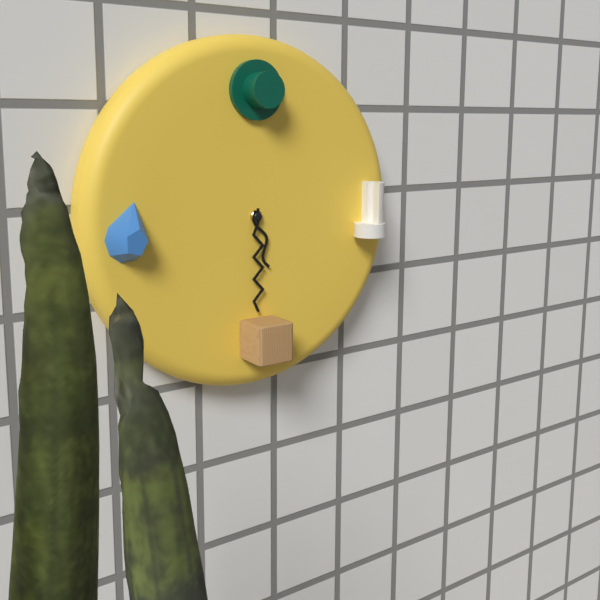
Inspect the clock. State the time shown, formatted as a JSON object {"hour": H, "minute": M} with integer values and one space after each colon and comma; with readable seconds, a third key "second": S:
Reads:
{"hour": 5, "minute": 30}
